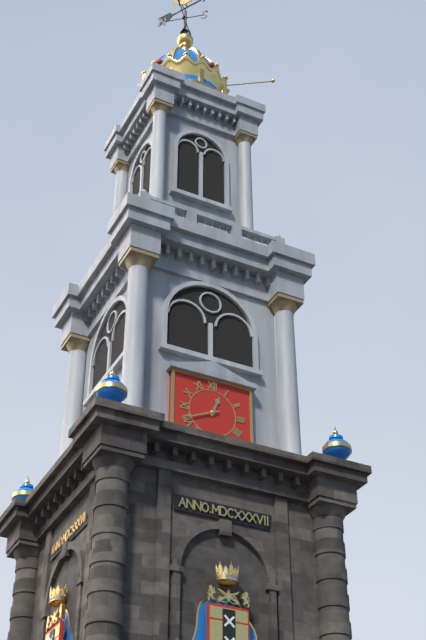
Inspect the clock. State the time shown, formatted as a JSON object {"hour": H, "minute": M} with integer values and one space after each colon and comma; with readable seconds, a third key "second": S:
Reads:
{"hour": 12, "minute": 41}
